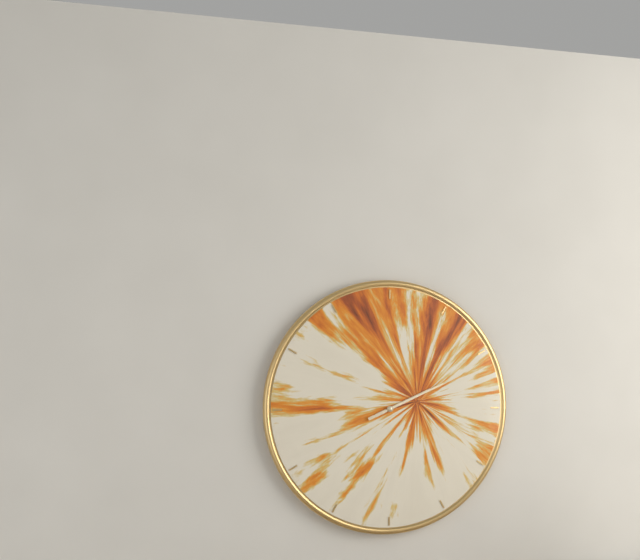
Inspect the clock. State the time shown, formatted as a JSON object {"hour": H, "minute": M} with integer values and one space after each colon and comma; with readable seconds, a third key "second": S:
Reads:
{"hour": 2, "minute": 11}
